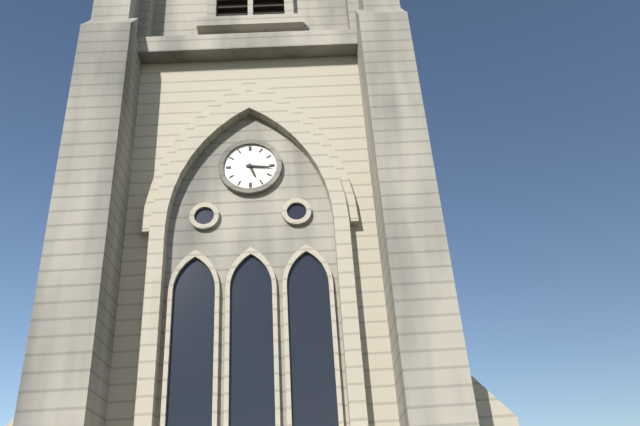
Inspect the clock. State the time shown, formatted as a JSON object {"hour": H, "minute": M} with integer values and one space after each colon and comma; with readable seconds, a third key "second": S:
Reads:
{"hour": 5, "minute": 16}
